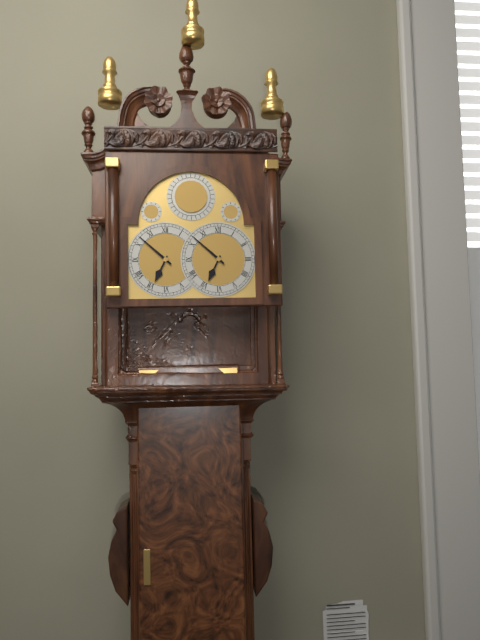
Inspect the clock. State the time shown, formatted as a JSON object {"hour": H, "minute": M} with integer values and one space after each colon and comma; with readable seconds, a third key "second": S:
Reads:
{"hour": 6, "minute": 52}
